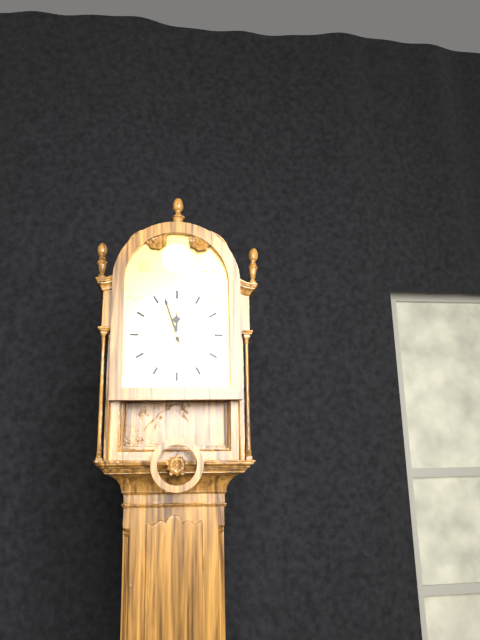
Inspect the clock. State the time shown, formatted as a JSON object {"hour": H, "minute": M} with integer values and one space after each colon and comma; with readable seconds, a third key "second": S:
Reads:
{"hour": 11, "minute": 57}
